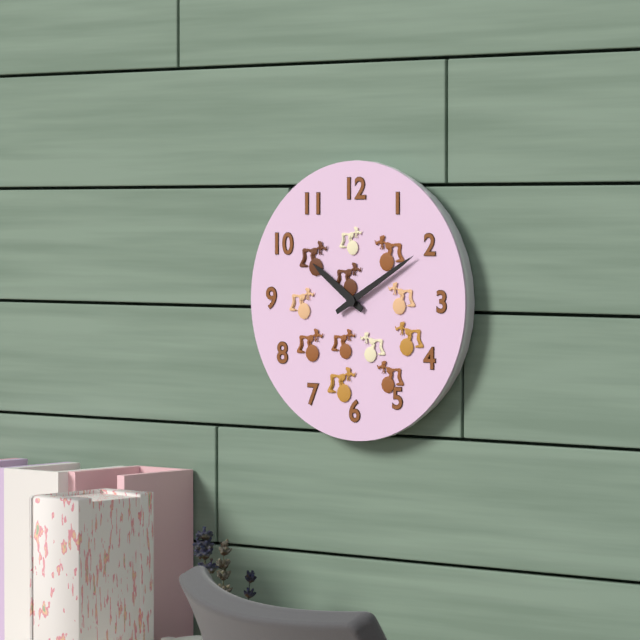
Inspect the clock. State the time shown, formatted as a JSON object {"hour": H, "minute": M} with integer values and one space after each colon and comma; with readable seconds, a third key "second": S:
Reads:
{"hour": 10, "minute": 10}
